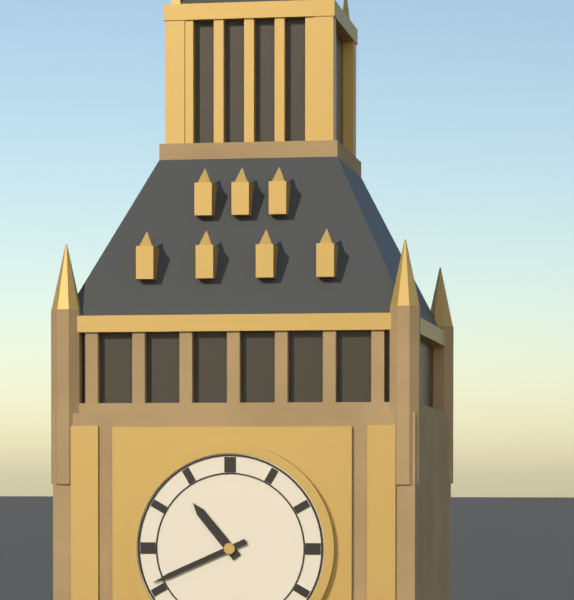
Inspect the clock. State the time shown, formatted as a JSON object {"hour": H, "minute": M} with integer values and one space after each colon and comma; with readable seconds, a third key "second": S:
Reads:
{"hour": 10, "minute": 41}
